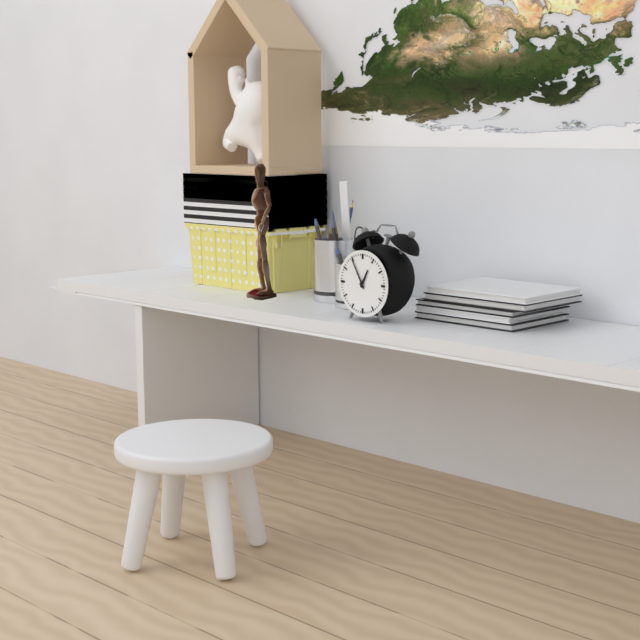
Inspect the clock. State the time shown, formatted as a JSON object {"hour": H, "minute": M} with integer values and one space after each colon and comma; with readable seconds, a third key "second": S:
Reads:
{"hour": 12, "minute": 55}
